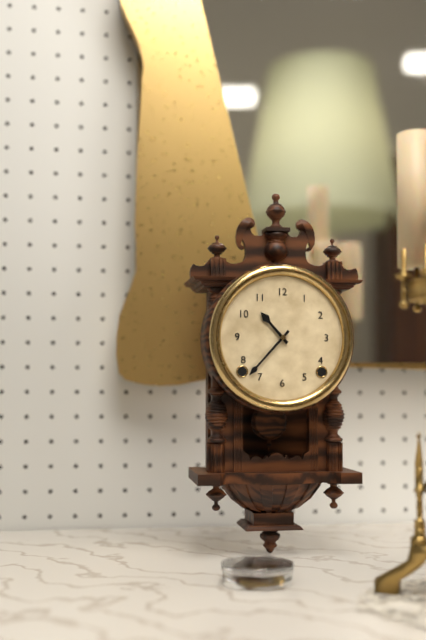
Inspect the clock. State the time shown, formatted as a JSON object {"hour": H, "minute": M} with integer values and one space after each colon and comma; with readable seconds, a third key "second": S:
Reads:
{"hour": 10, "minute": 37}
